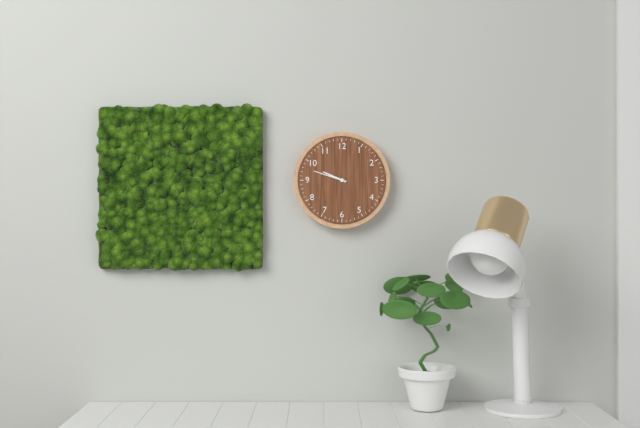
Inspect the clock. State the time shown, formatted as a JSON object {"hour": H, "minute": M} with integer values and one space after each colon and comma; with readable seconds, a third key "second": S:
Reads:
{"hour": 9, "minute": 48}
